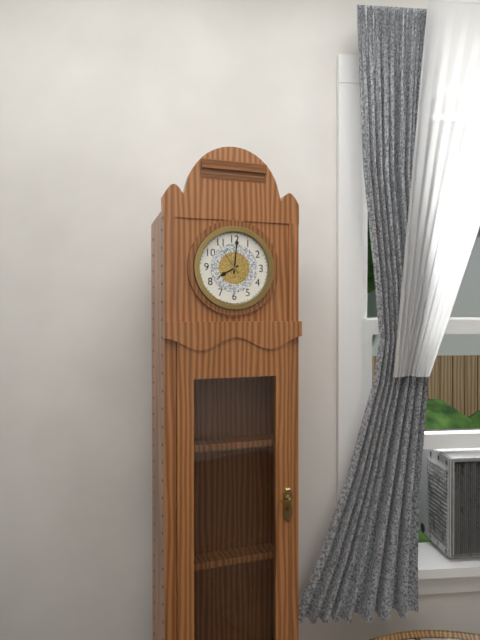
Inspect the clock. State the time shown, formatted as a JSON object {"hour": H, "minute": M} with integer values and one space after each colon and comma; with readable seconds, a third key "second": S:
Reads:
{"hour": 8, "minute": 1}
